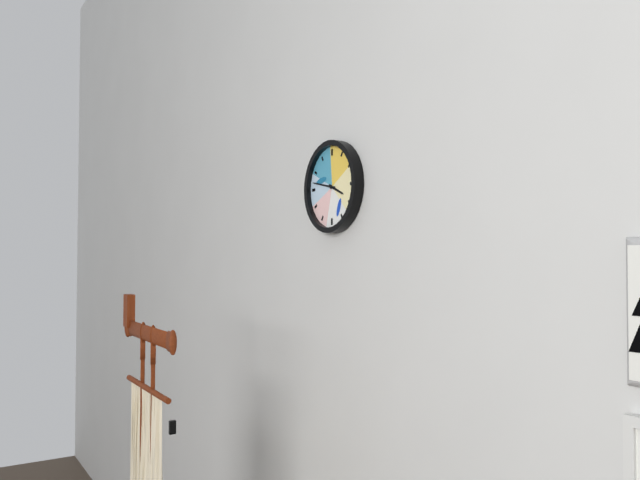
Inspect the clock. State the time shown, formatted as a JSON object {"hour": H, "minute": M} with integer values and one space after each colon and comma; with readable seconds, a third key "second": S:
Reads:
{"hour": 3, "minute": 47}
